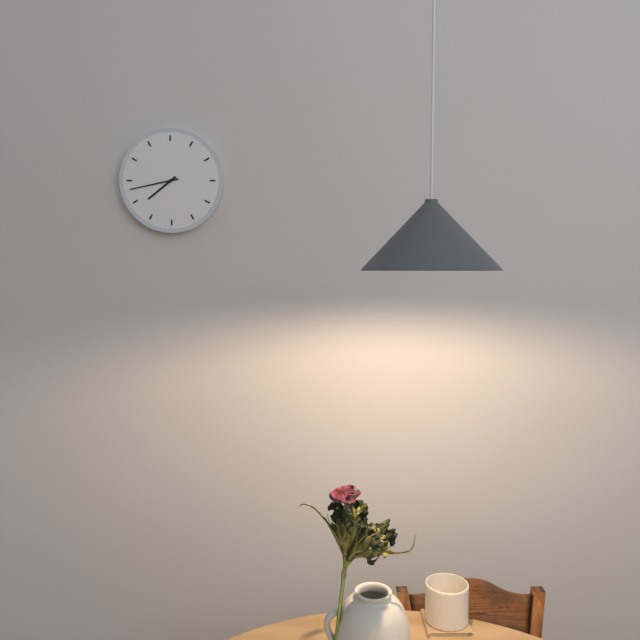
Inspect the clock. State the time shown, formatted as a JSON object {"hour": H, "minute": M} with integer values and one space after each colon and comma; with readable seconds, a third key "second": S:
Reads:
{"hour": 7, "minute": 43}
